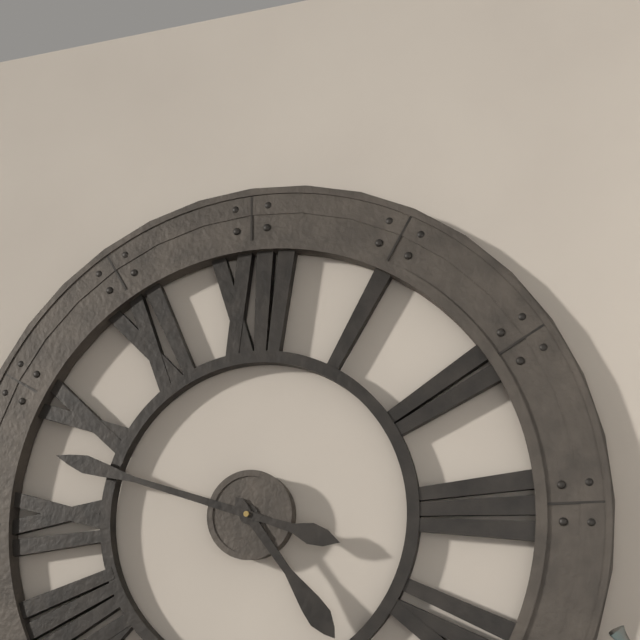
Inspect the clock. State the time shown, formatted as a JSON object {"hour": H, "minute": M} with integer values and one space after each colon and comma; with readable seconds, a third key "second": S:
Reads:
{"hour": 4, "minute": 48}
